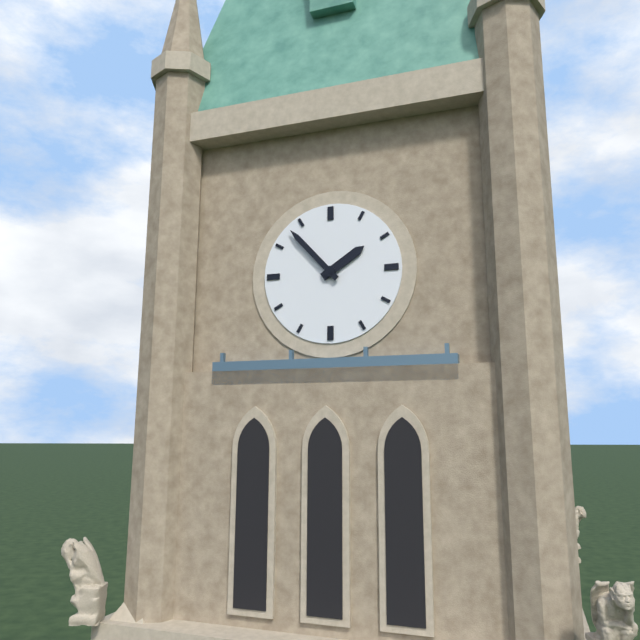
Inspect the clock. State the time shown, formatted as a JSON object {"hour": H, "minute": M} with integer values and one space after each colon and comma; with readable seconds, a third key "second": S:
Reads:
{"hour": 1, "minute": 53}
